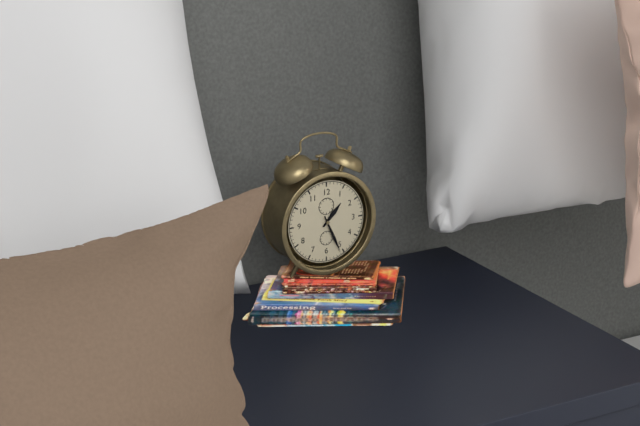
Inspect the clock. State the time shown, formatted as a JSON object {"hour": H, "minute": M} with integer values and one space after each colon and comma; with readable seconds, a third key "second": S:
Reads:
{"hour": 1, "minute": 26}
